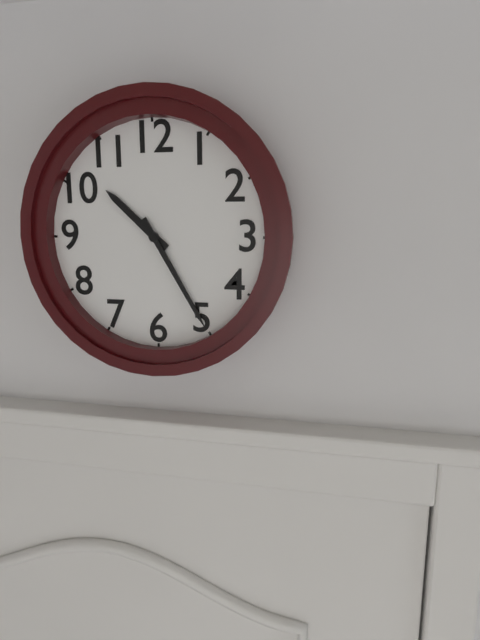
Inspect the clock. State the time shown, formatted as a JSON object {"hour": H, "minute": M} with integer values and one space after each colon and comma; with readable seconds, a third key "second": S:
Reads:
{"hour": 10, "minute": 25}
